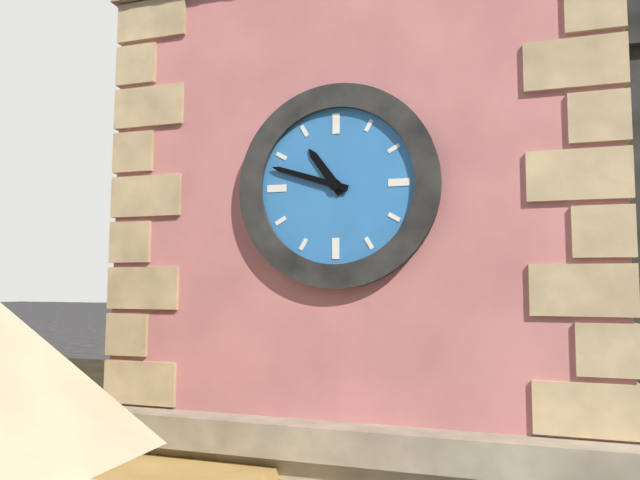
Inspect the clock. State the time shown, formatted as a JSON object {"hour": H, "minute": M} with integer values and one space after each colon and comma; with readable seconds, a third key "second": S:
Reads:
{"hour": 10, "minute": 48}
